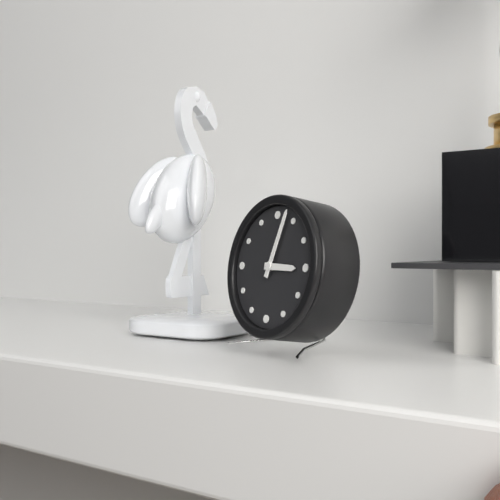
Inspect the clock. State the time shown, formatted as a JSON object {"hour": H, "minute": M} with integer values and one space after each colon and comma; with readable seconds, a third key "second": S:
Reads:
{"hour": 3, "minute": 3}
